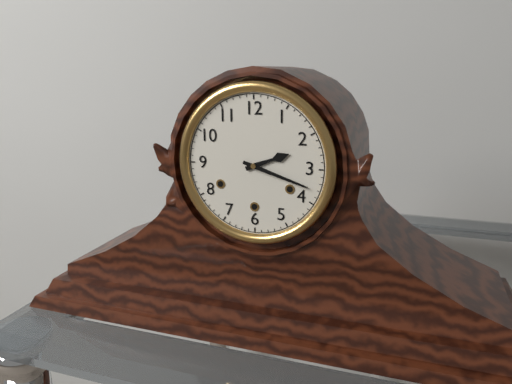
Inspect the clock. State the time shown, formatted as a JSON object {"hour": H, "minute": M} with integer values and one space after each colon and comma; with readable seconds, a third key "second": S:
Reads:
{"hour": 2, "minute": 18}
